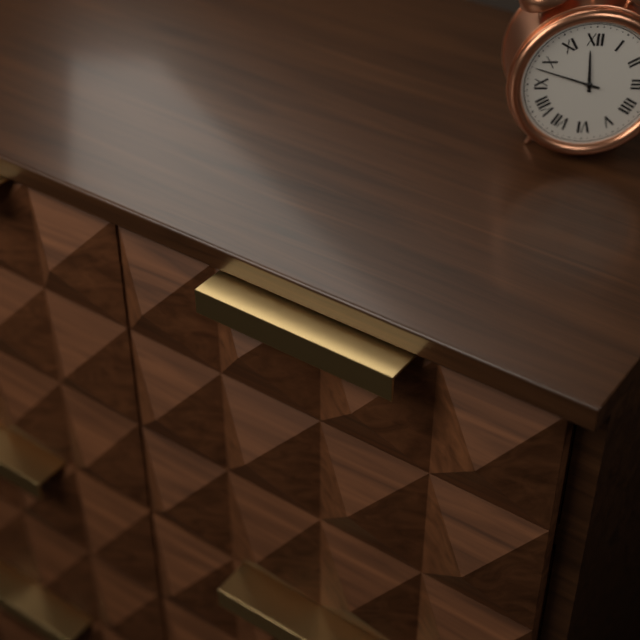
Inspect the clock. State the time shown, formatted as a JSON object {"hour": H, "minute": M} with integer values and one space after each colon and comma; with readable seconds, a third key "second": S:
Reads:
{"hour": 11, "minute": 48}
